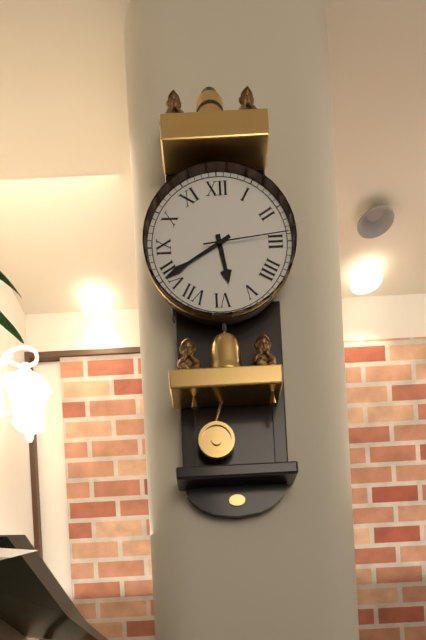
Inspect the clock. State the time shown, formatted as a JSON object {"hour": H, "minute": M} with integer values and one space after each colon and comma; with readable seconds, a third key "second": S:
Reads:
{"hour": 5, "minute": 40, "second": 14}
